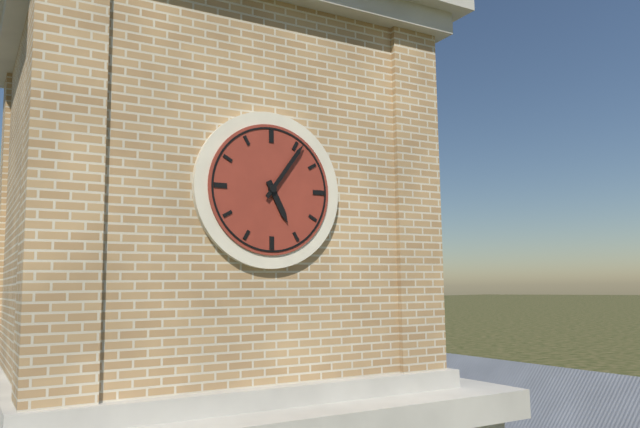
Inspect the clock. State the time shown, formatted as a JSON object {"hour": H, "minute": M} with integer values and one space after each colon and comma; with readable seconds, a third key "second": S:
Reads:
{"hour": 5, "minute": 6}
